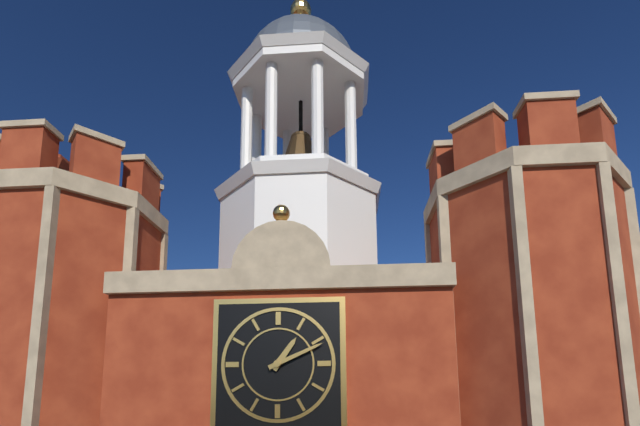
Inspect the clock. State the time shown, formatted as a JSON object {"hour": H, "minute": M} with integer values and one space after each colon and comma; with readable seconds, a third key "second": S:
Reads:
{"hour": 1, "minute": 11}
